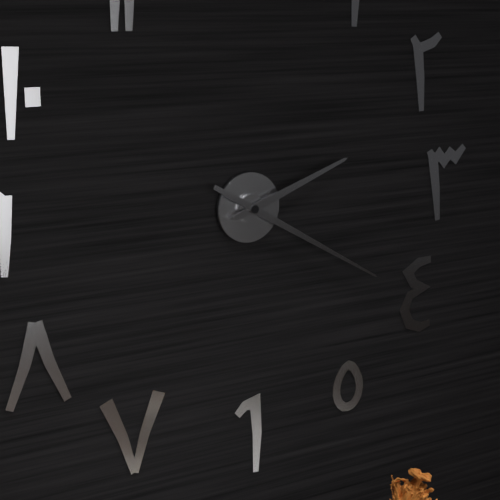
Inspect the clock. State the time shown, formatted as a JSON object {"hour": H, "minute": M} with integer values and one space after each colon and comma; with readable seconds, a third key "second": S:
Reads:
{"hour": 2, "minute": 20}
